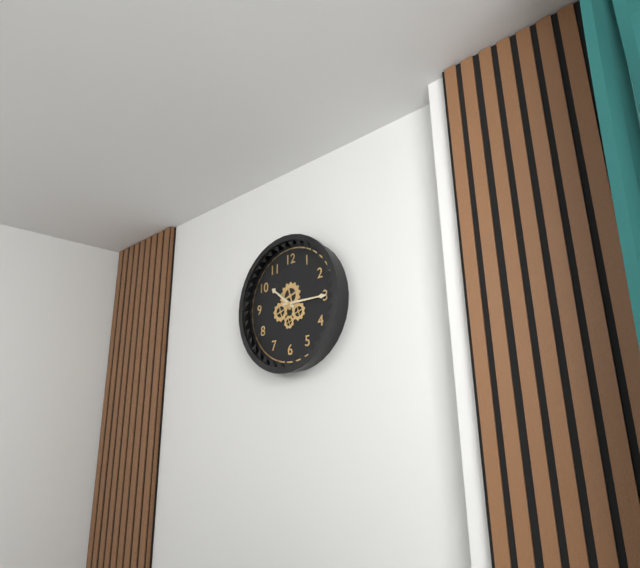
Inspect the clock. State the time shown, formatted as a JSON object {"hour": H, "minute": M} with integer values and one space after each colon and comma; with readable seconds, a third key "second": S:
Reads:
{"hour": 10, "minute": 15}
